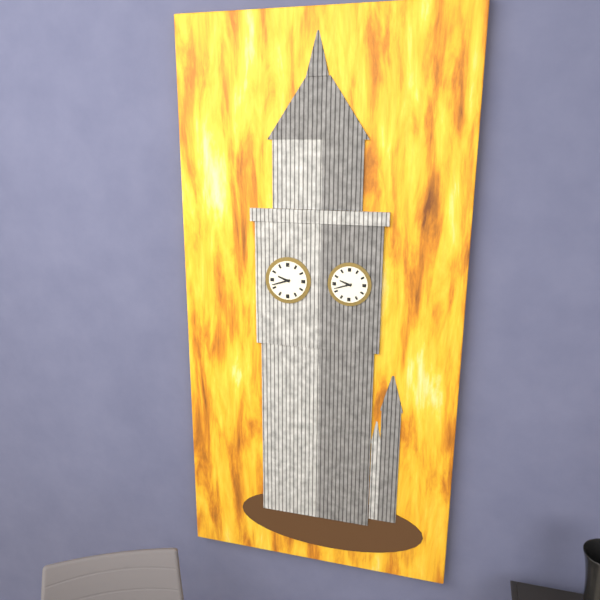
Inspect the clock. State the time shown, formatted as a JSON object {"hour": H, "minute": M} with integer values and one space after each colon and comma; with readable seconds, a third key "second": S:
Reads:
{"hour": 9, "minute": 42}
